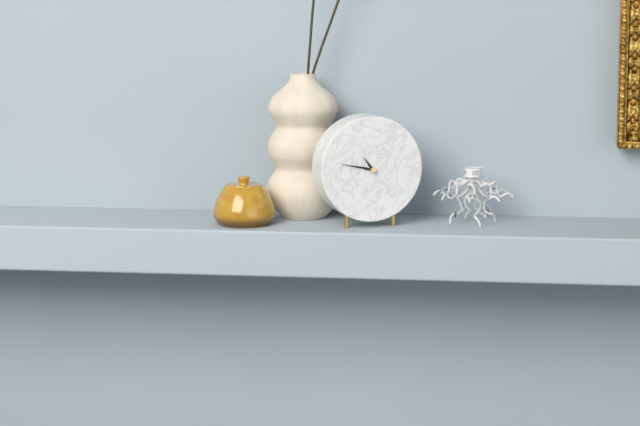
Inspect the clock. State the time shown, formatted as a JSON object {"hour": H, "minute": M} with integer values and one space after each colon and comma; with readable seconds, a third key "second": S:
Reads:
{"hour": 10, "minute": 47}
